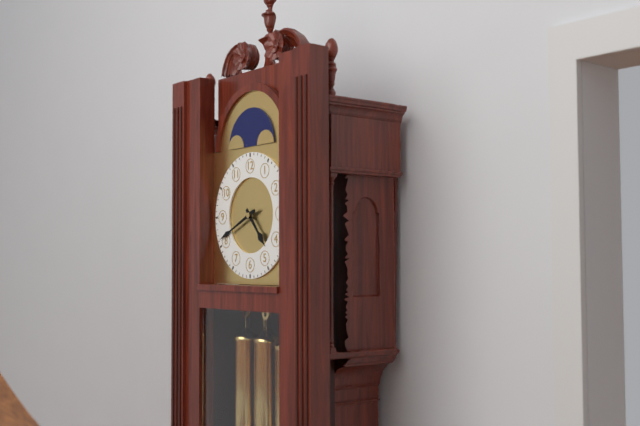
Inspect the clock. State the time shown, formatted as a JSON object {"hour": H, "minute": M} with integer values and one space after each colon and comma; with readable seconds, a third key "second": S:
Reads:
{"hour": 4, "minute": 41}
